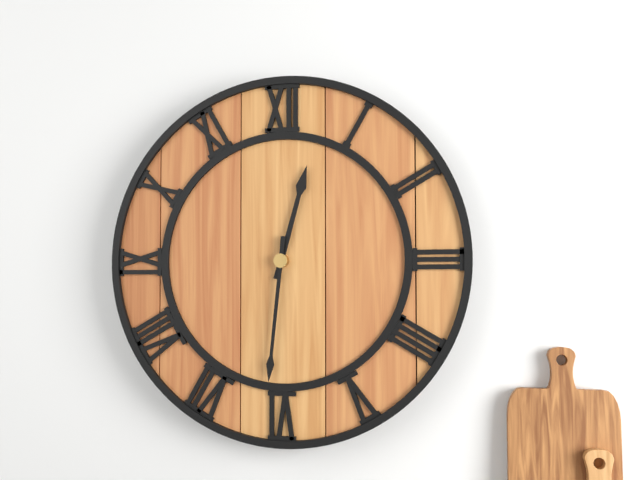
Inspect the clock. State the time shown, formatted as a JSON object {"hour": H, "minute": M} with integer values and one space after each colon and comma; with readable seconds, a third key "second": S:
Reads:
{"hour": 12, "minute": 31}
